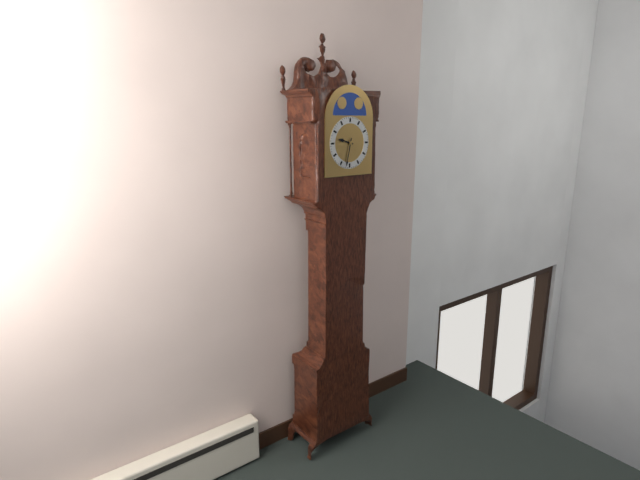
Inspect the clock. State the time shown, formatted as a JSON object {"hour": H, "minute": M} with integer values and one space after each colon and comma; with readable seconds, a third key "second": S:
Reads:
{"hour": 9, "minute": 32}
